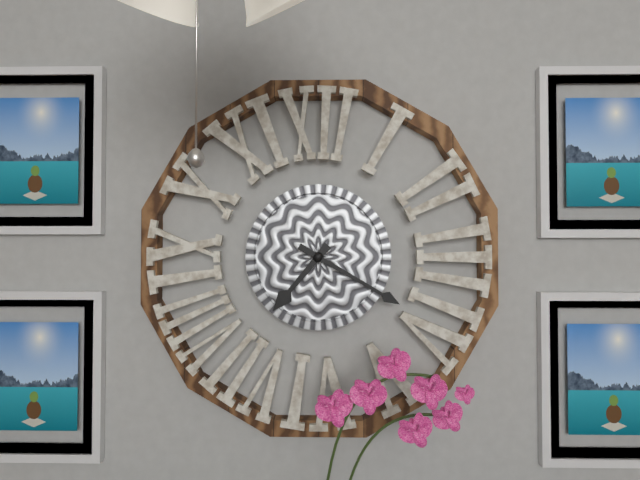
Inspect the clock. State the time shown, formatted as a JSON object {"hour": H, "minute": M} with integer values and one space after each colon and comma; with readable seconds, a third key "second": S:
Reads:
{"hour": 7, "minute": 20}
